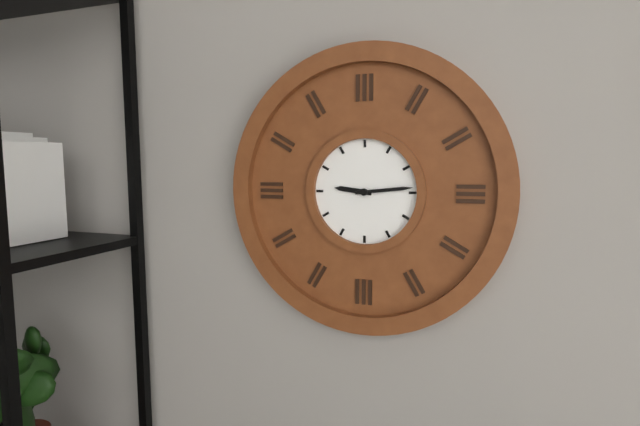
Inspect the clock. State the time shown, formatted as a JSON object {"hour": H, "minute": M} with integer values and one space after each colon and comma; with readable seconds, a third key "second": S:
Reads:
{"hour": 9, "minute": 14}
